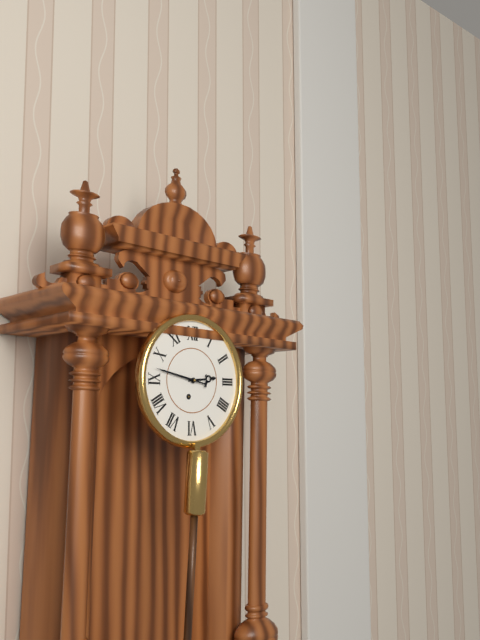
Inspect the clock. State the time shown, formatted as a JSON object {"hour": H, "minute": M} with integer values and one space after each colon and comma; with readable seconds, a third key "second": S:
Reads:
{"hour": 2, "minute": 47}
